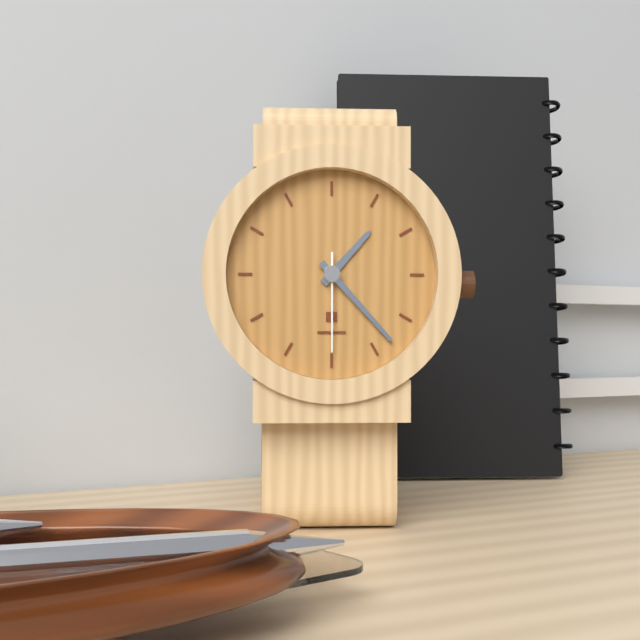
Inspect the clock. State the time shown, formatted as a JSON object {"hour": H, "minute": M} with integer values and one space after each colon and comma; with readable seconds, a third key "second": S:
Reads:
{"hour": 1, "minute": 23, "second": 30}
